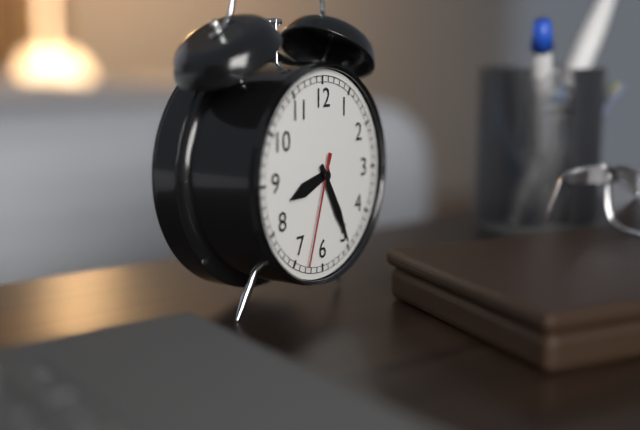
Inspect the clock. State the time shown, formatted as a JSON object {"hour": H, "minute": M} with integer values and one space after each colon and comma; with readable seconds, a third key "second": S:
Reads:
{"hour": 8, "minute": 25, "second": 33}
